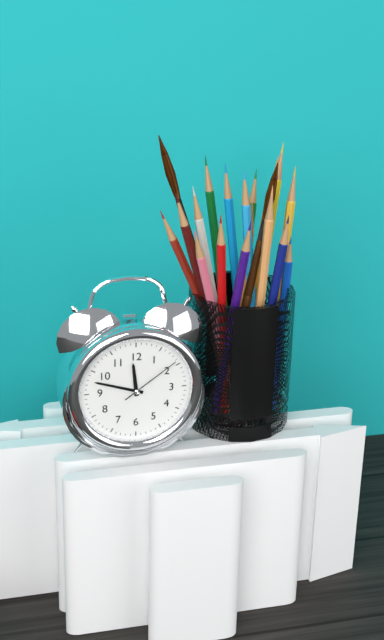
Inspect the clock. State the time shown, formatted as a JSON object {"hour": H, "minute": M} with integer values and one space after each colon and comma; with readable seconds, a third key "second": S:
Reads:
{"hour": 11, "minute": 48, "second": 9}
